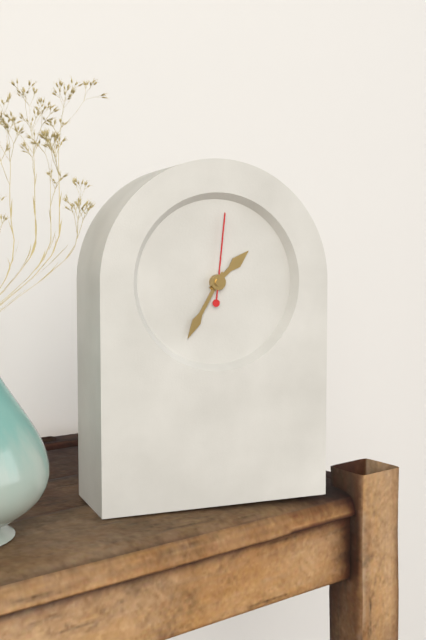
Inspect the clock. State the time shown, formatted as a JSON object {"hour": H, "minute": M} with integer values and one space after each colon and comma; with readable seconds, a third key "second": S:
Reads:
{"hour": 1, "minute": 35, "second": 1}
